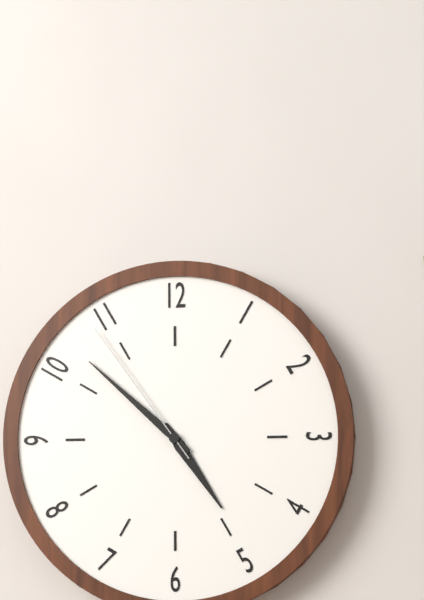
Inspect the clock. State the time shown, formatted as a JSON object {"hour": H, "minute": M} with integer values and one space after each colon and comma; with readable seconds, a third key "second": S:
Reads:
{"hour": 4, "minute": 52, "second": 54}
